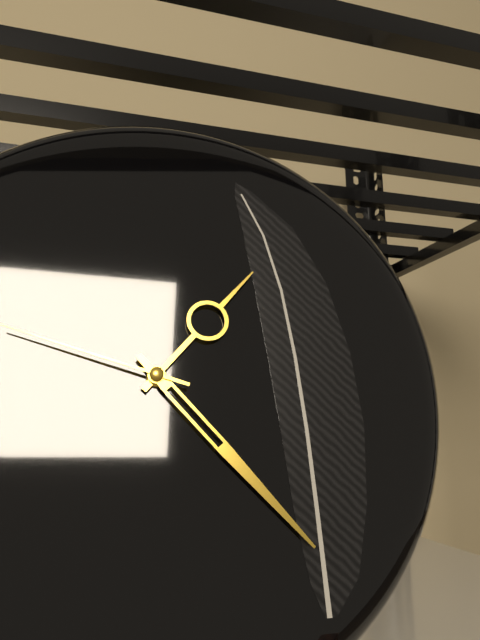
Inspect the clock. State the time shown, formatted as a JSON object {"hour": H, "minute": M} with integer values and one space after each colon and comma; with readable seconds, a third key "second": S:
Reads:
{"hour": 1, "minute": 23, "second": 48}
